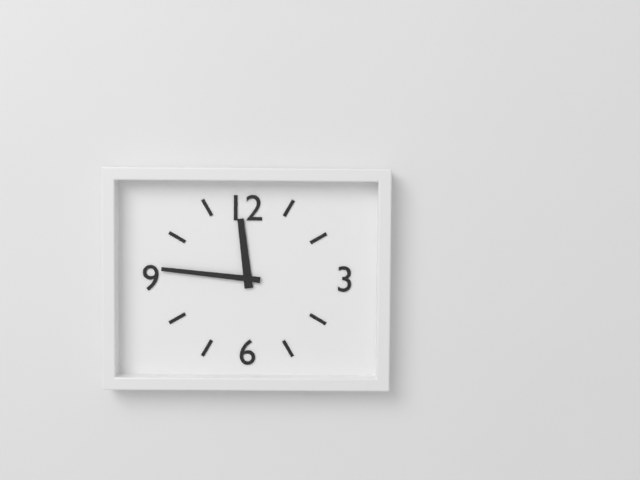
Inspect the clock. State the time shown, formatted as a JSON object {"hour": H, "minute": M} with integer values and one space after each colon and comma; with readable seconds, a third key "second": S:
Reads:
{"hour": 11, "minute": 46}
